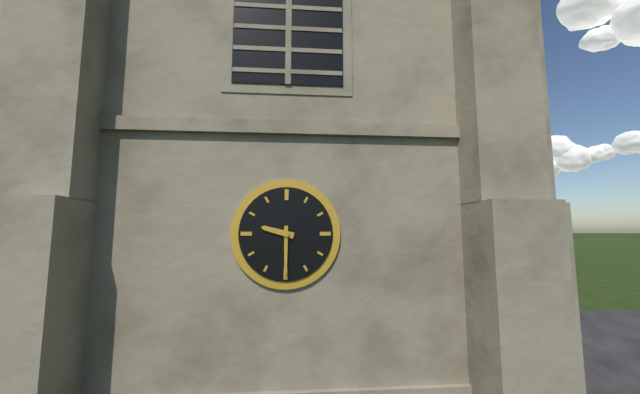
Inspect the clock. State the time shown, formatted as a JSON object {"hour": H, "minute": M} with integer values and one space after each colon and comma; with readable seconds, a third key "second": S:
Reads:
{"hour": 9, "minute": 30}
